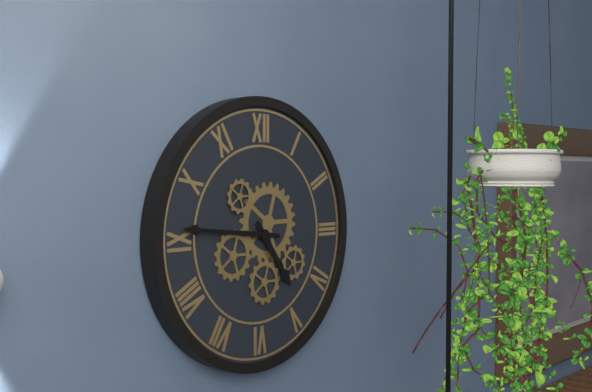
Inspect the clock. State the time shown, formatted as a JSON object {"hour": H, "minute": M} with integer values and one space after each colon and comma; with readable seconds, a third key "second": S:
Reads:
{"hour": 4, "minute": 46}
